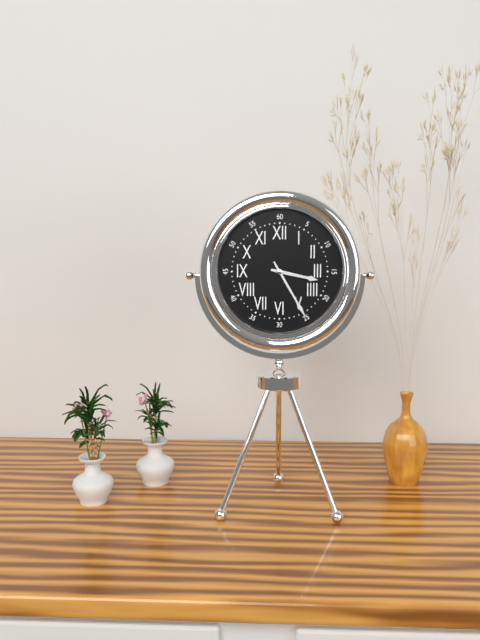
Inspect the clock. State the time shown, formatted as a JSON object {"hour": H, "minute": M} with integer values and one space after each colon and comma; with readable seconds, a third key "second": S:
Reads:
{"hour": 3, "minute": 25}
